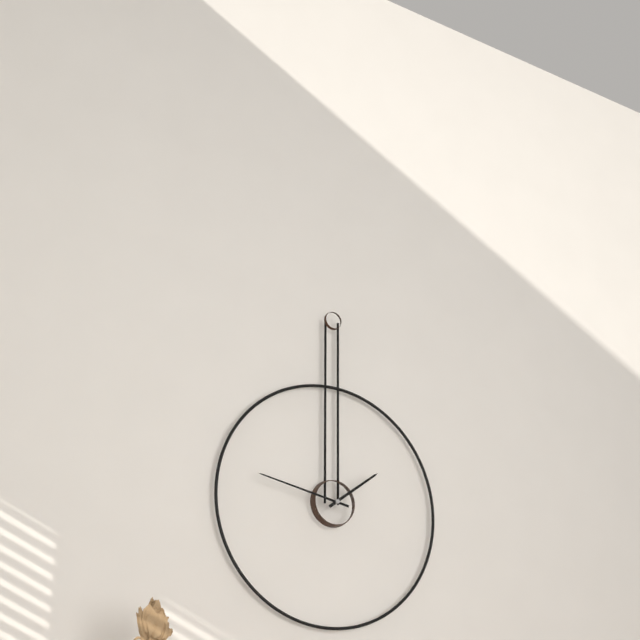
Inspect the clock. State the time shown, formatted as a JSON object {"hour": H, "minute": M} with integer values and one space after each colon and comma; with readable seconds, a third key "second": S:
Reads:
{"hour": 1, "minute": 47}
